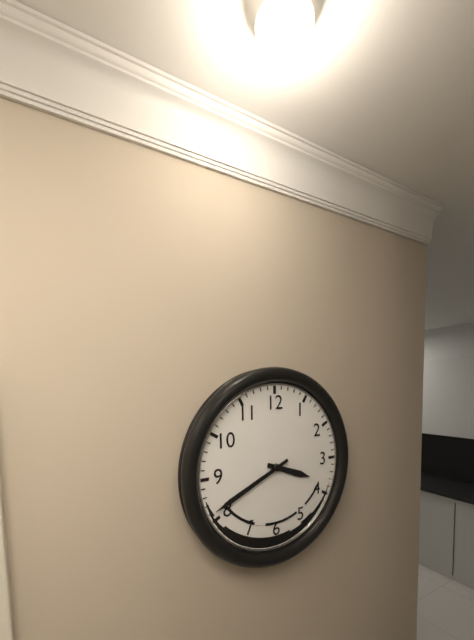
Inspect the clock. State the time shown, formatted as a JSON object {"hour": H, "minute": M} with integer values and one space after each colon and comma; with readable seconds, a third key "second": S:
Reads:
{"hour": 3, "minute": 41}
